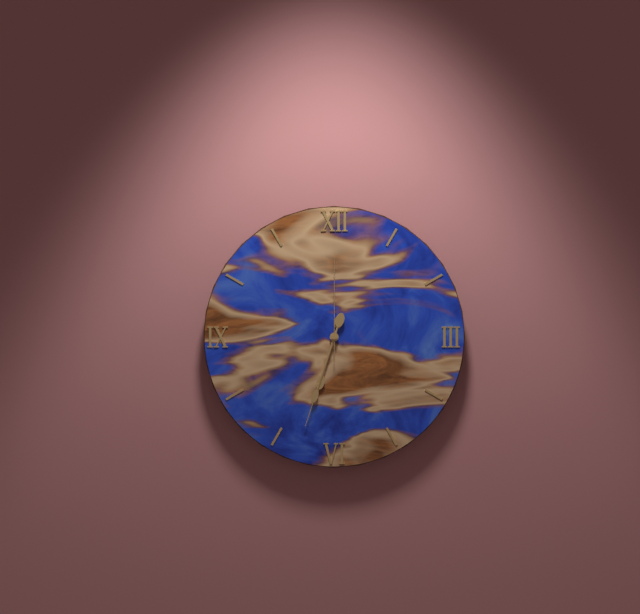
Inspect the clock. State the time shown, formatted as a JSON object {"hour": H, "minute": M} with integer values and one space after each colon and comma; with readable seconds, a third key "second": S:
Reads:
{"hour": 6, "minute": 33, "second": 0}
